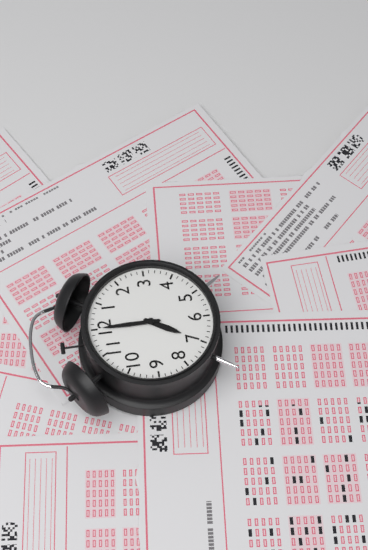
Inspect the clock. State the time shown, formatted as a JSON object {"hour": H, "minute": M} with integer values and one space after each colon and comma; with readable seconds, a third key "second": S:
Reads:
{"hour": 7, "minute": 0}
